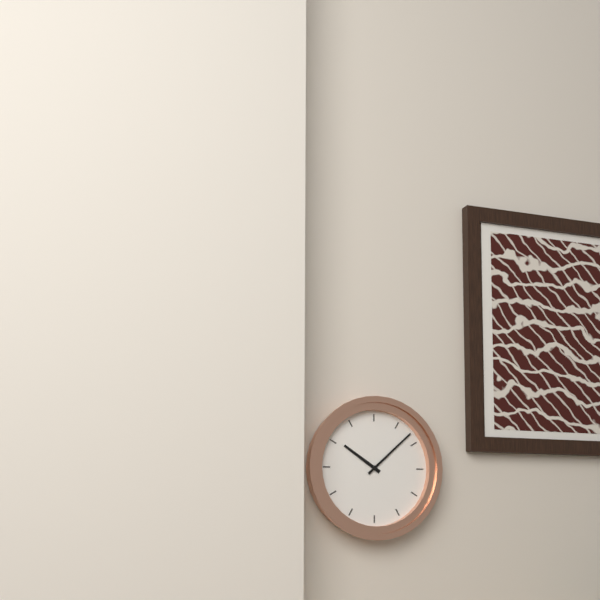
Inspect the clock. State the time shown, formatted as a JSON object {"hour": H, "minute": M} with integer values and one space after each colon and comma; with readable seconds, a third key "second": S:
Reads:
{"hour": 10, "minute": 8}
